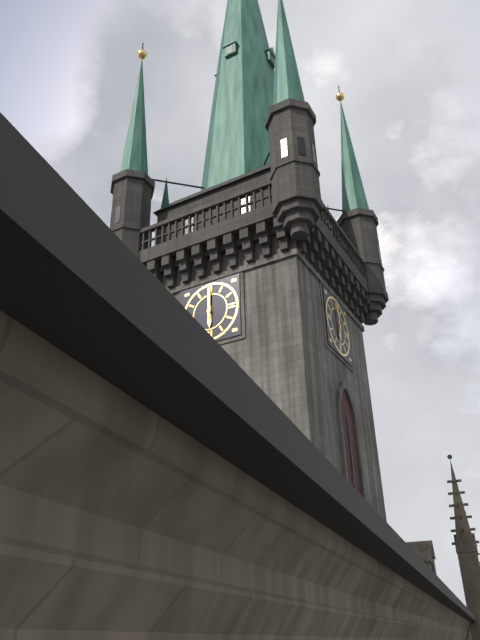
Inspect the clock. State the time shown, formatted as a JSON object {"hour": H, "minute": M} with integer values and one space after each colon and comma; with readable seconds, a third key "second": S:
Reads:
{"hour": 6, "minute": 0}
